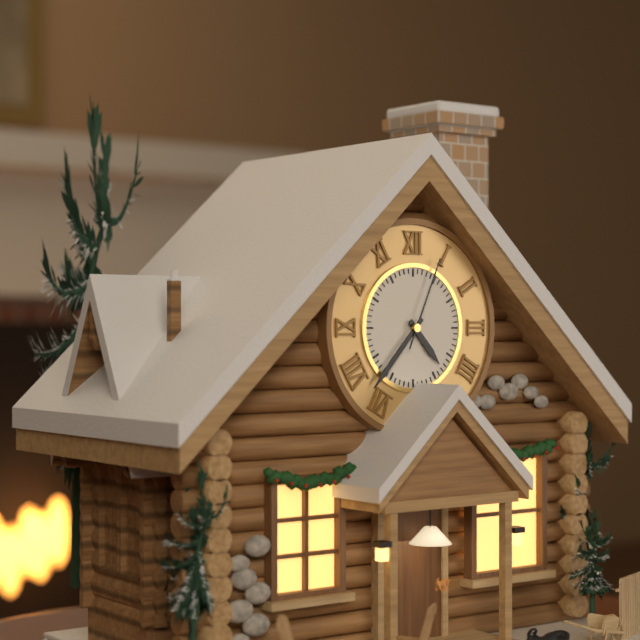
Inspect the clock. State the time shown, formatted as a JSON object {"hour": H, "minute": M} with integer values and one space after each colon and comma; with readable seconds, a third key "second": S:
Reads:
{"hour": 4, "minute": 37, "second": 4}
